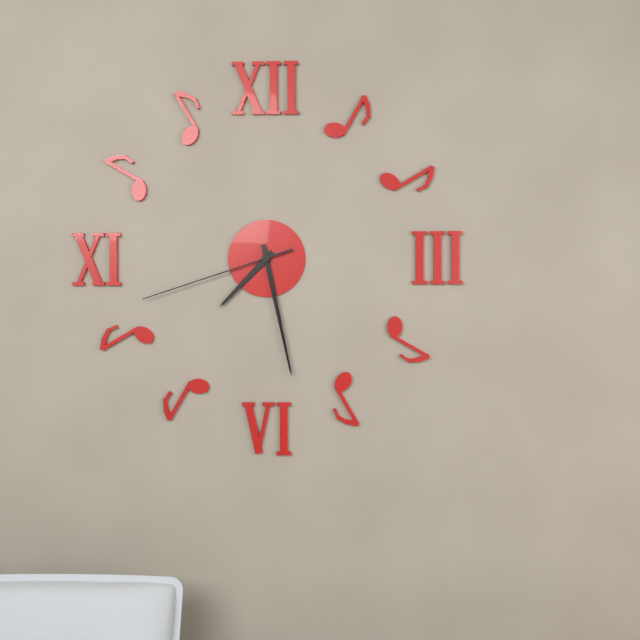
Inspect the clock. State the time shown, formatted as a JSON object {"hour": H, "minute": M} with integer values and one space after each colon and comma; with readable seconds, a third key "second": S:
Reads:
{"hour": 7, "minute": 28, "second": 42}
